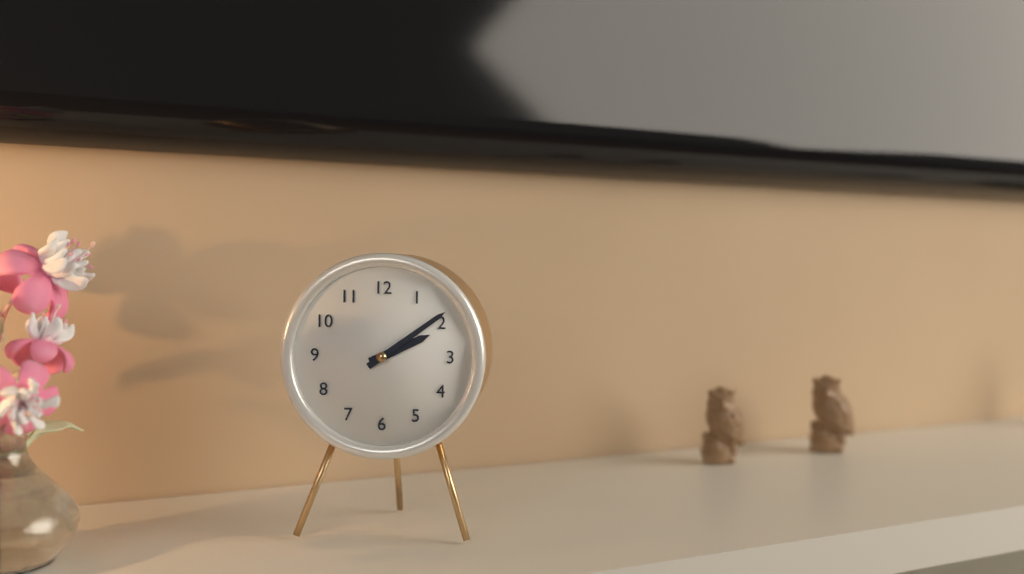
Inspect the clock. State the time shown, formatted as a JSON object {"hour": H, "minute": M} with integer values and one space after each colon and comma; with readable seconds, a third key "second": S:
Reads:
{"hour": 2, "minute": 9}
